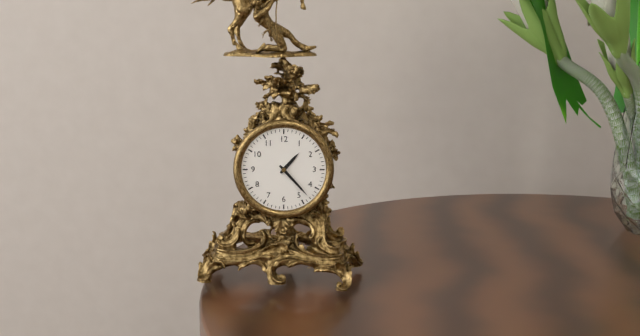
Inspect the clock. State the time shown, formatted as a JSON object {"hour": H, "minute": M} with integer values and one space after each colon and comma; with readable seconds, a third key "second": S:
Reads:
{"hour": 1, "minute": 23}
